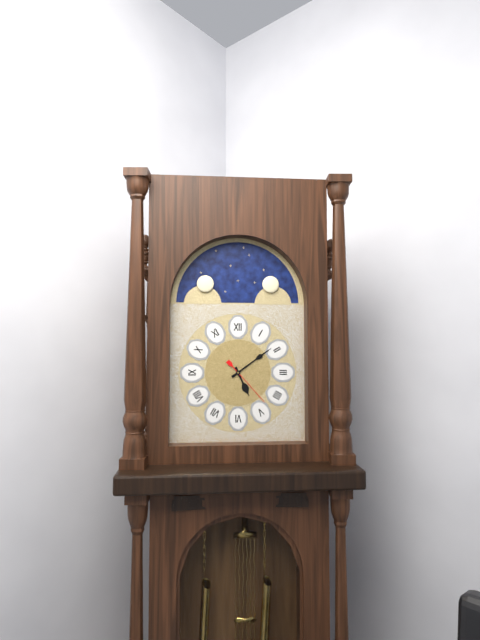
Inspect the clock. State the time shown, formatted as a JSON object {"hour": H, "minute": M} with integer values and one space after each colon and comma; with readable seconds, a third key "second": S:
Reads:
{"hour": 5, "minute": 9, "second": 23}
